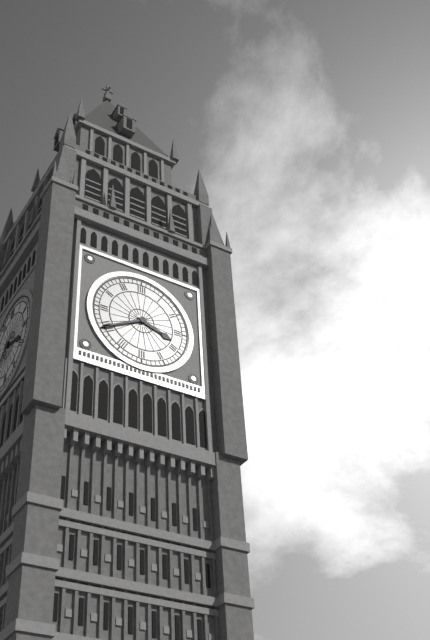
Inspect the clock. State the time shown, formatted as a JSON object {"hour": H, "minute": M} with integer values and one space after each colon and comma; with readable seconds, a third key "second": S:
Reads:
{"hour": 3, "minute": 40}
